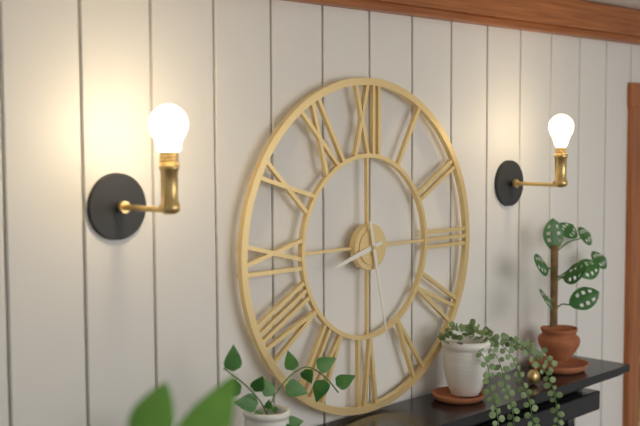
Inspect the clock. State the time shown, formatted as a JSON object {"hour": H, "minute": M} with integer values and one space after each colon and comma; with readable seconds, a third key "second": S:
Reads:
{"hour": 8, "minute": 28}
